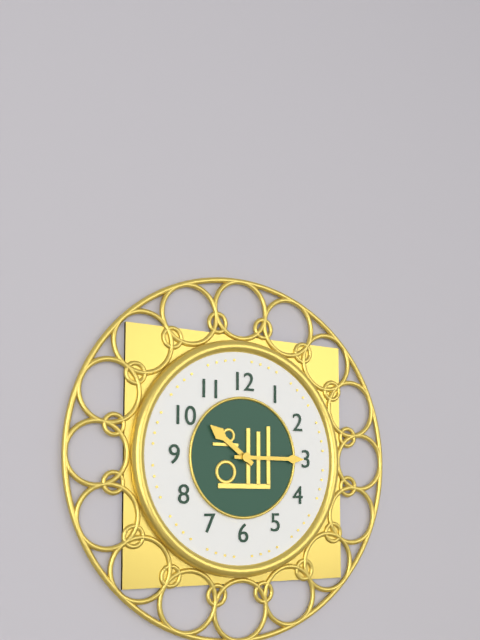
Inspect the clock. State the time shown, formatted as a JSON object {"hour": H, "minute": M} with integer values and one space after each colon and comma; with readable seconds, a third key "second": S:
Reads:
{"hour": 10, "minute": 15}
